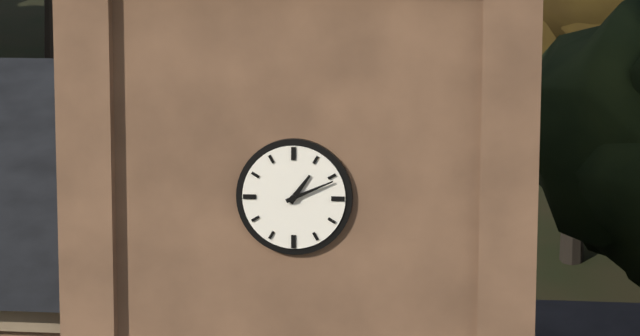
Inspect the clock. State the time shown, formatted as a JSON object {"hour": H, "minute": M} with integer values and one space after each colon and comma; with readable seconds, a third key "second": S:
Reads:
{"hour": 1, "minute": 11}
